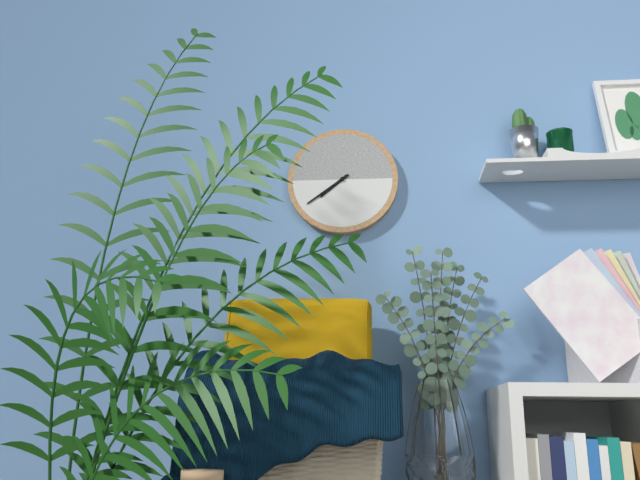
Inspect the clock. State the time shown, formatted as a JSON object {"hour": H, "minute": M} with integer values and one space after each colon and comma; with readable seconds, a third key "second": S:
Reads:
{"hour": 7, "minute": 39}
